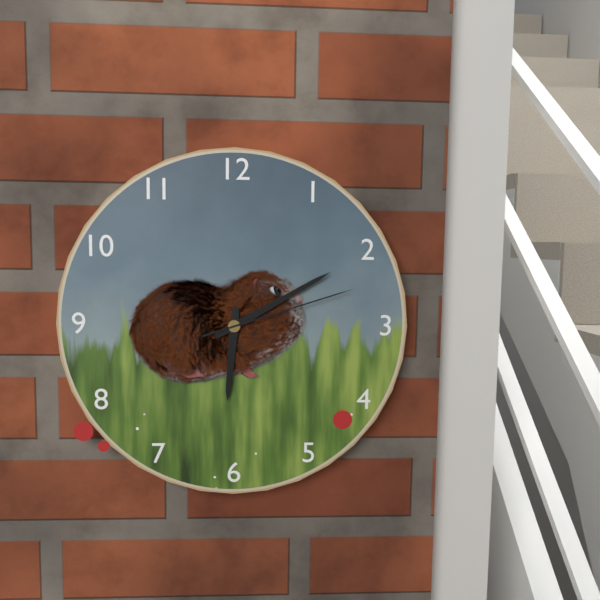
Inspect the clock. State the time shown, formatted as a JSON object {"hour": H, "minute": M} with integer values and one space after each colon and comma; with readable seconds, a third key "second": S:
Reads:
{"hour": 6, "minute": 10, "second": 12}
